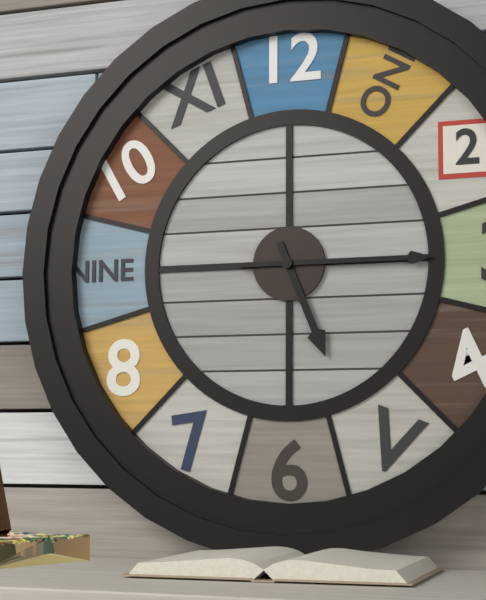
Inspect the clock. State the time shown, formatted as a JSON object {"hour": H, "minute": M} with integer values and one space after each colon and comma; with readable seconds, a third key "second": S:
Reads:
{"hour": 5, "minute": 15}
